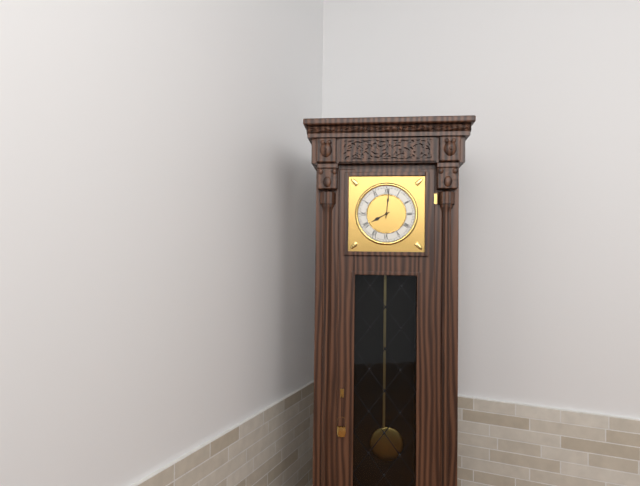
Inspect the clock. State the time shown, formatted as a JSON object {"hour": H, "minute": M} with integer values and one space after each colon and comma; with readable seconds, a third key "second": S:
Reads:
{"hour": 8, "minute": 1}
